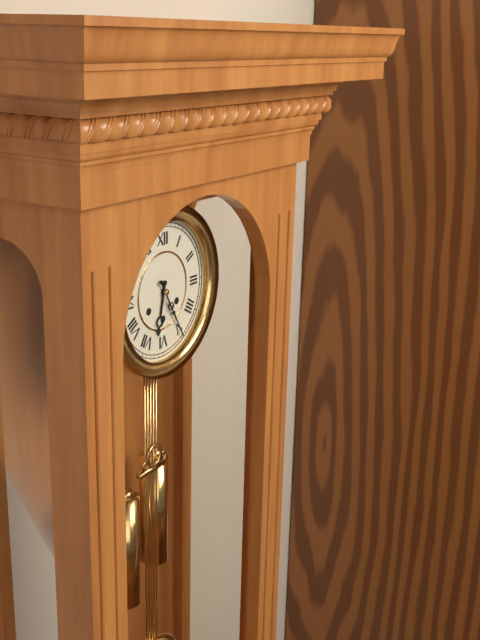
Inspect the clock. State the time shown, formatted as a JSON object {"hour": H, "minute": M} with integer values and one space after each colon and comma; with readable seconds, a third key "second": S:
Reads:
{"hour": 6, "minute": 25}
